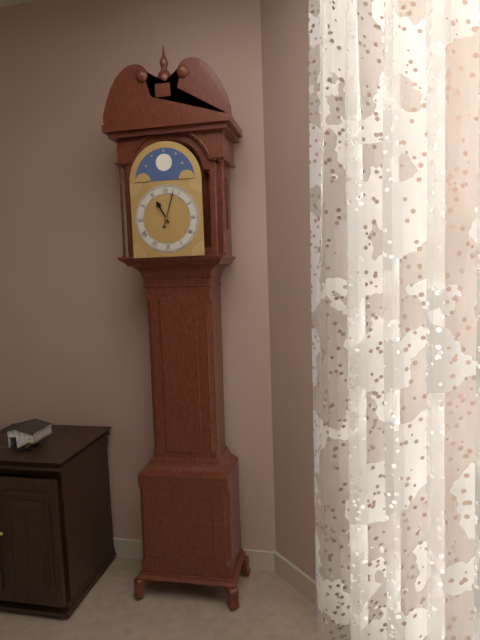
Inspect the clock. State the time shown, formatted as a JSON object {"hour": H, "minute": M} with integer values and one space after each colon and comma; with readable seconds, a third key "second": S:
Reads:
{"hour": 11, "minute": 3}
